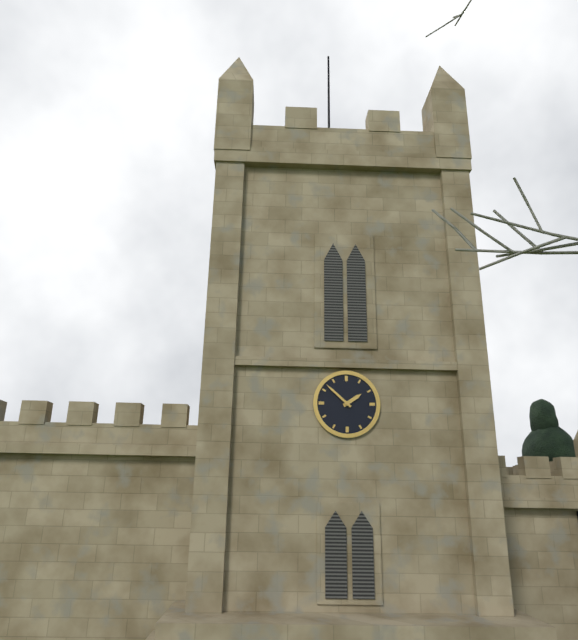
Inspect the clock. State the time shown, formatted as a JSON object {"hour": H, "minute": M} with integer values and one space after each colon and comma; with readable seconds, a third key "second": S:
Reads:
{"hour": 1, "minute": 52}
